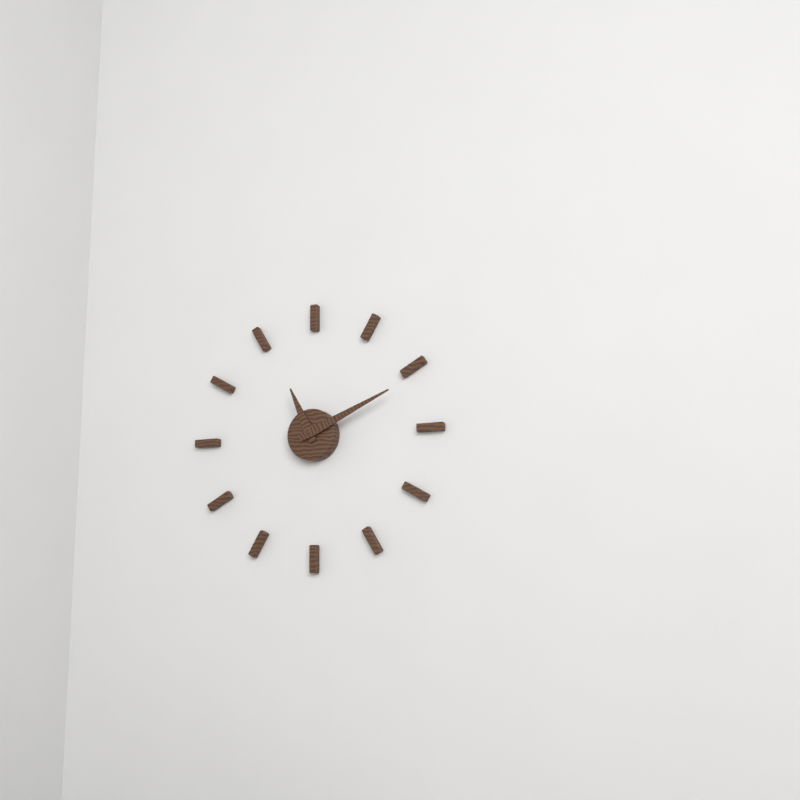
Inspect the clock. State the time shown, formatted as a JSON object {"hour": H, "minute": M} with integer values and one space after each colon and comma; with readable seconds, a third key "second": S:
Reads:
{"hour": 11, "minute": 11}
